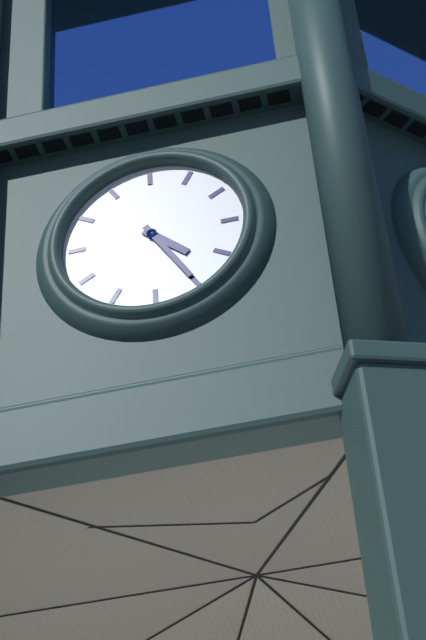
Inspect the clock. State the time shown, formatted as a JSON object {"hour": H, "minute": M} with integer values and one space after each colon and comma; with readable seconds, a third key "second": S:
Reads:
{"hour": 4, "minute": 25}
